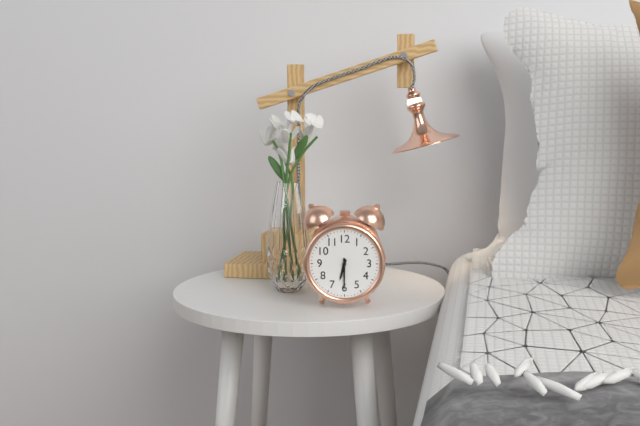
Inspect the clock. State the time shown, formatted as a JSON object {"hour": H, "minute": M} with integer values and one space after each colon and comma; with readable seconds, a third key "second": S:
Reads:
{"hour": 6, "minute": 30}
